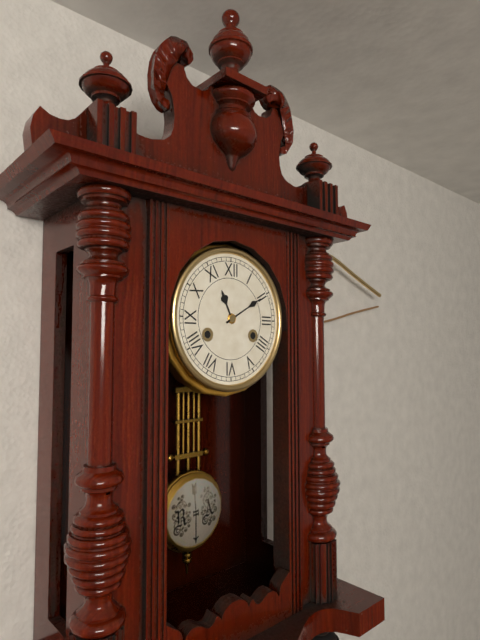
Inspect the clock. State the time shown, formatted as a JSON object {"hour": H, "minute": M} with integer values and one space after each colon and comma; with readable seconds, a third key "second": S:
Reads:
{"hour": 11, "minute": 10}
